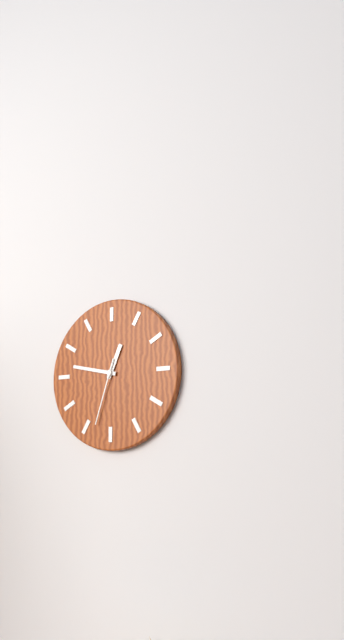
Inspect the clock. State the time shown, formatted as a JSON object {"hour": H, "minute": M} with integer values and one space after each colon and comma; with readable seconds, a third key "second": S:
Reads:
{"hour": 12, "minute": 47, "second": 33}
